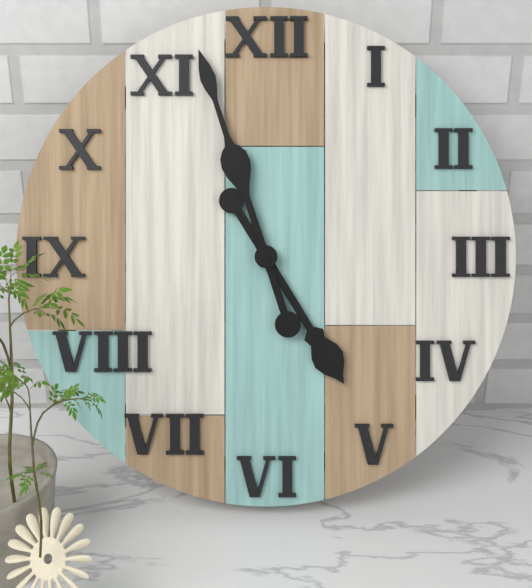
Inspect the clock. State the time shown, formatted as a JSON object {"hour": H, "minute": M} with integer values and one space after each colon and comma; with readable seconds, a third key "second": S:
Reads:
{"hour": 4, "minute": 57}
